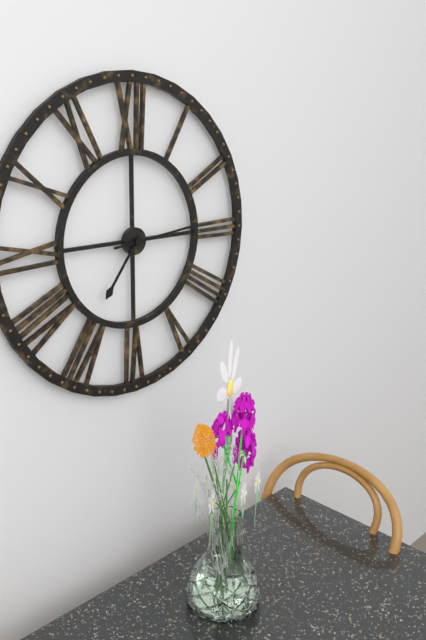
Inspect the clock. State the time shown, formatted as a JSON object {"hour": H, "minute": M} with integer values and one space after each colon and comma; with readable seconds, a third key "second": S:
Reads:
{"hour": 7, "minute": 14}
